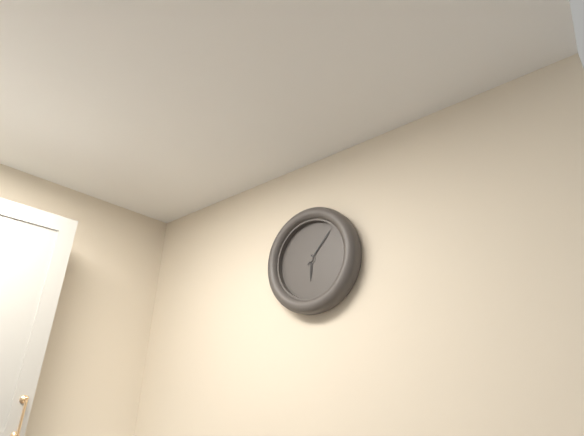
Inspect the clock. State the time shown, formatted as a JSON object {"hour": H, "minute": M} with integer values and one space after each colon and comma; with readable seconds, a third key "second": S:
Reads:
{"hour": 6, "minute": 7}
